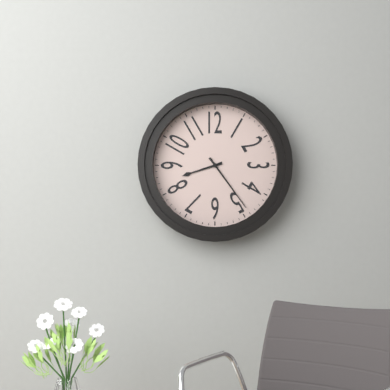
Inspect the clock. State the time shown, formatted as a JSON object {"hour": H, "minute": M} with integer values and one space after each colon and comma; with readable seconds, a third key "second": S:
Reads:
{"hour": 8, "minute": 24}
